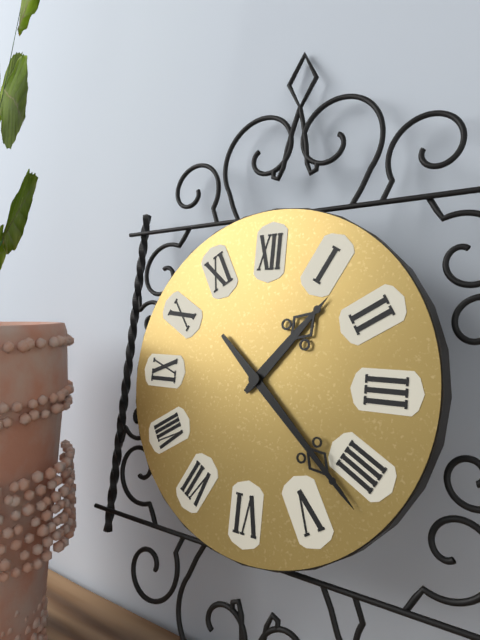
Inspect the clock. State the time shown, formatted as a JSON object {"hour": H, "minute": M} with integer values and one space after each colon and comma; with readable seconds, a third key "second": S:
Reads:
{"hour": 1, "minute": 22}
